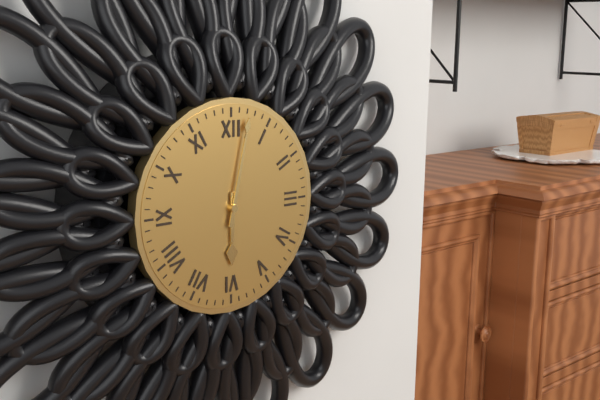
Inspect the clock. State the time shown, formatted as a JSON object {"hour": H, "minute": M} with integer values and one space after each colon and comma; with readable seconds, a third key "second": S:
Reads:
{"hour": 6, "minute": 2}
